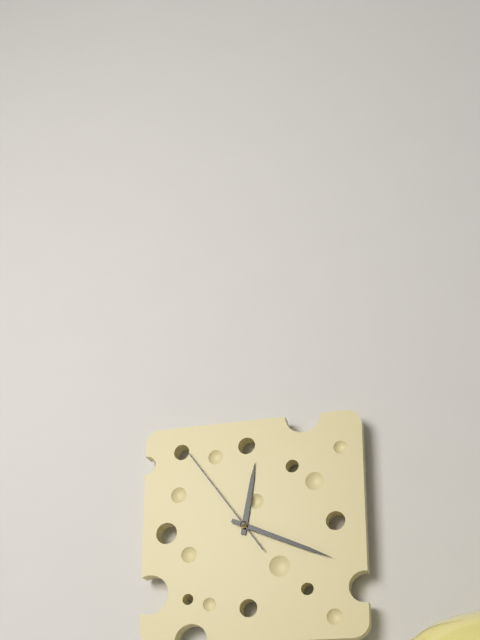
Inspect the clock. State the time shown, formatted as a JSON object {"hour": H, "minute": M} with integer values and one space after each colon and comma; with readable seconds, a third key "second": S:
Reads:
{"hour": 12, "minute": 19, "second": 54}
